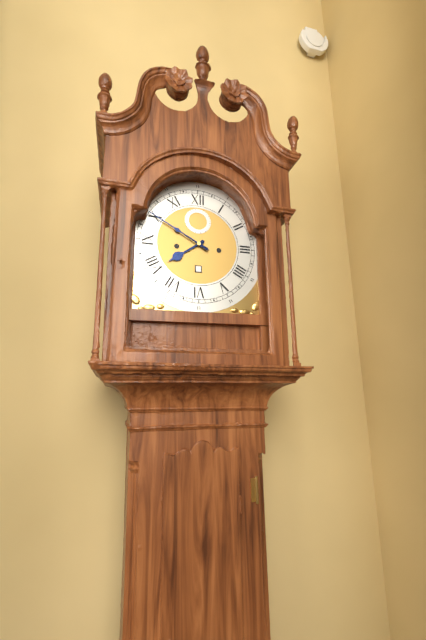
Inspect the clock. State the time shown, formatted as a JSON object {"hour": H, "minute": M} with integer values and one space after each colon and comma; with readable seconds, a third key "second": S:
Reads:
{"hour": 7, "minute": 50}
